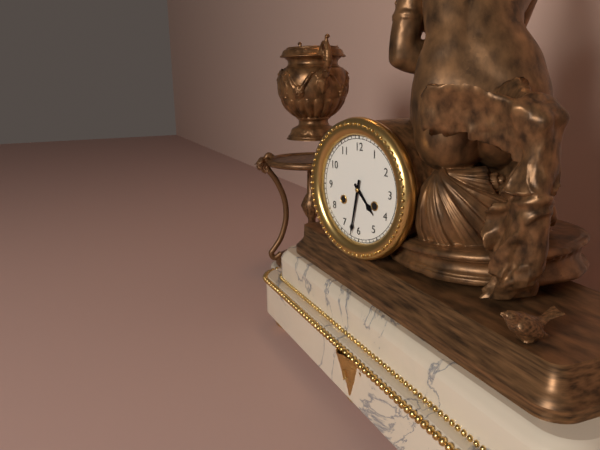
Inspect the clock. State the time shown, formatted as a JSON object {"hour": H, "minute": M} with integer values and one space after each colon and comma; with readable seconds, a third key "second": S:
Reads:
{"hour": 4, "minute": 32}
